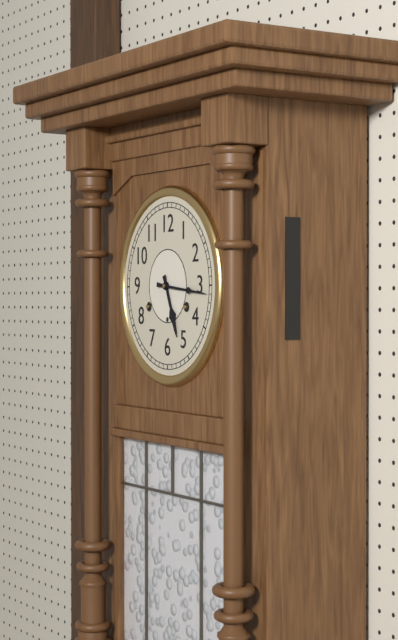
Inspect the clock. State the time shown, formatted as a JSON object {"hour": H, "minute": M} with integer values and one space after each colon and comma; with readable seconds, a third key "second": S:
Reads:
{"hour": 5, "minute": 16}
